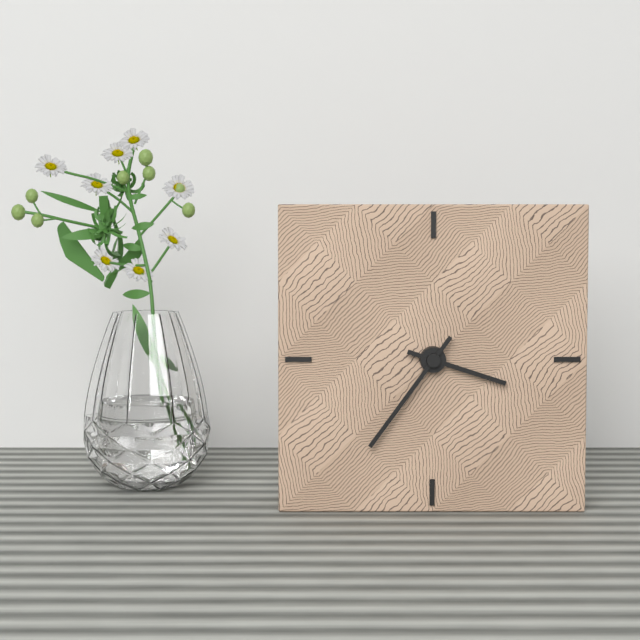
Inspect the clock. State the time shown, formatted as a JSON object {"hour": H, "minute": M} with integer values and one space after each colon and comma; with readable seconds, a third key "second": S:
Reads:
{"hour": 3, "minute": 36}
